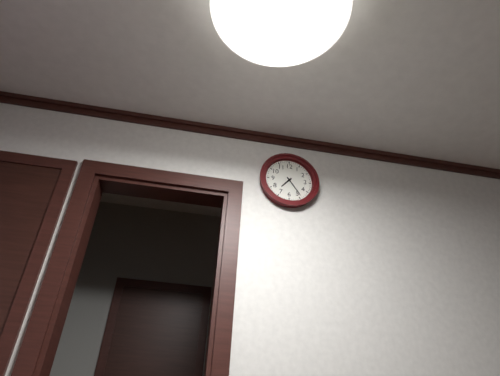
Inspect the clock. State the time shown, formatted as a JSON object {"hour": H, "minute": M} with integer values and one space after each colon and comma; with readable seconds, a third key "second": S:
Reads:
{"hour": 7, "minute": 24}
